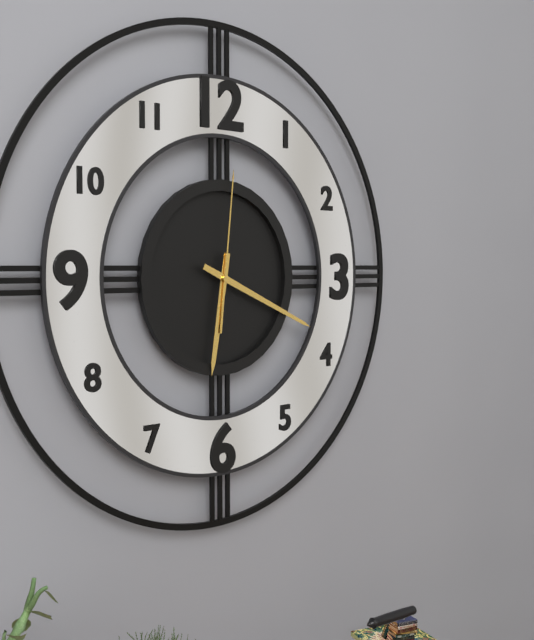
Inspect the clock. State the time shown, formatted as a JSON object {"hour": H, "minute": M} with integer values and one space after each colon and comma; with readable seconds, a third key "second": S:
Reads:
{"hour": 6, "minute": 19, "second": 1}
